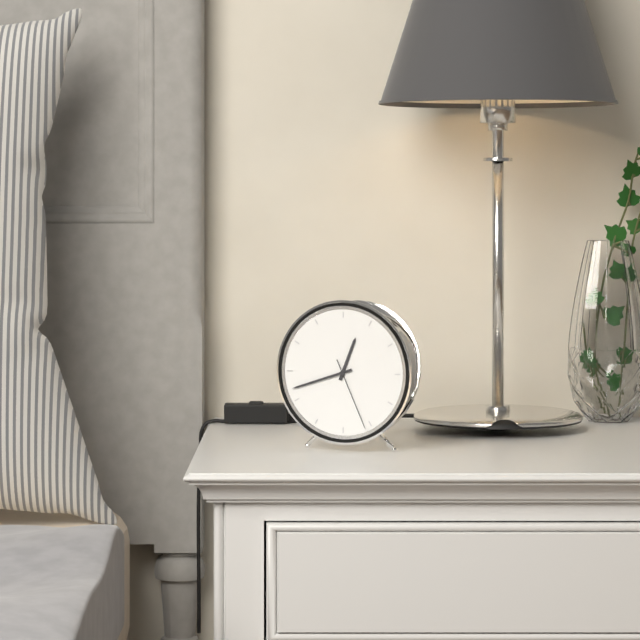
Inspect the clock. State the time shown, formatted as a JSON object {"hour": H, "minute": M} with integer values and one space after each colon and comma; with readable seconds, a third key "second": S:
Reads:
{"hour": 12, "minute": 42, "second": 26}
